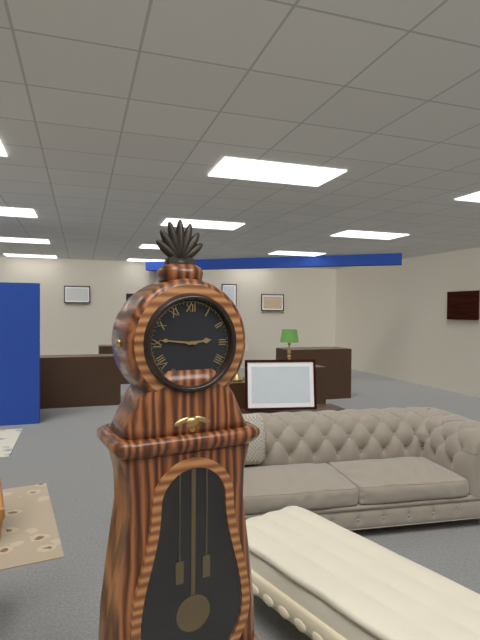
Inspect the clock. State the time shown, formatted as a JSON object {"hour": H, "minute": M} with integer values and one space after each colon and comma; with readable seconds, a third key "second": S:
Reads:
{"hour": 2, "minute": 46}
